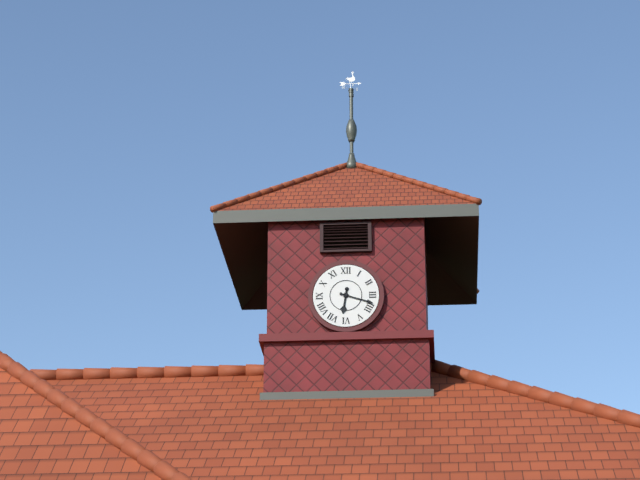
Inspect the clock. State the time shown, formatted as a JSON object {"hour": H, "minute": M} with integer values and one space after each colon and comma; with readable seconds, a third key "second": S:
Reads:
{"hour": 6, "minute": 18}
